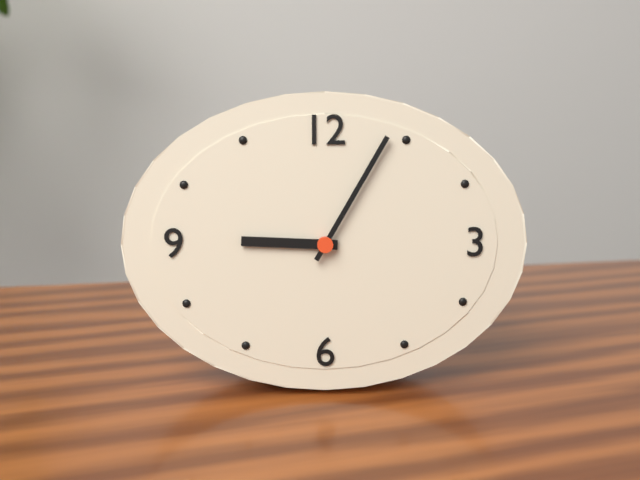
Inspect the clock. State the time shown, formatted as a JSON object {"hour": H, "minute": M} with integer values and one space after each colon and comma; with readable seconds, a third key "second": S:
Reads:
{"hour": 9, "minute": 5}
